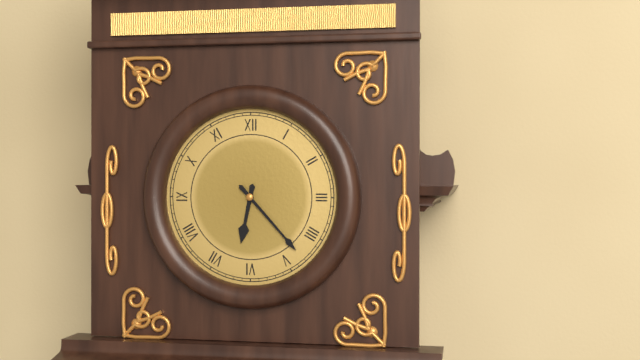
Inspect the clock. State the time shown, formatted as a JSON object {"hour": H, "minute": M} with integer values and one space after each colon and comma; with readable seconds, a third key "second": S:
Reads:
{"hour": 6, "minute": 23}
